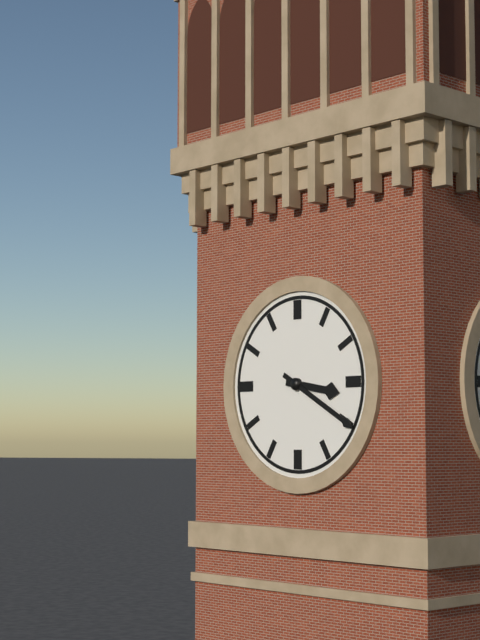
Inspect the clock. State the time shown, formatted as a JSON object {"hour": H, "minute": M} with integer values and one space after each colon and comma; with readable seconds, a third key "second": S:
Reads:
{"hour": 3, "minute": 20}
